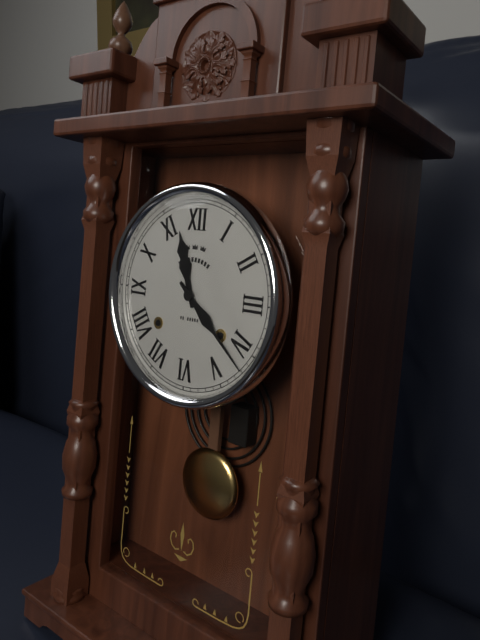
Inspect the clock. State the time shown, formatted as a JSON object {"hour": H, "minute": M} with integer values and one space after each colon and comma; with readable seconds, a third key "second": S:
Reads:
{"hour": 11, "minute": 22}
